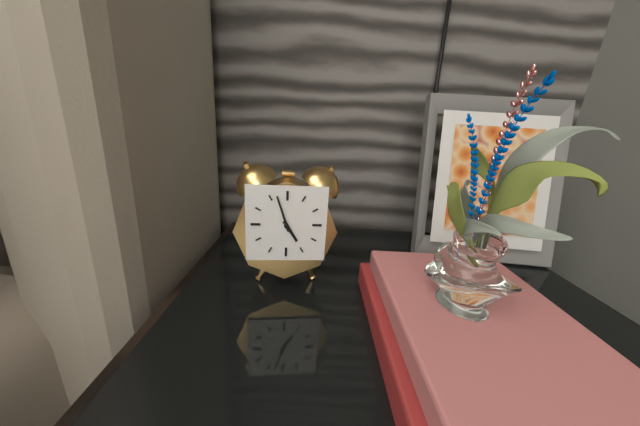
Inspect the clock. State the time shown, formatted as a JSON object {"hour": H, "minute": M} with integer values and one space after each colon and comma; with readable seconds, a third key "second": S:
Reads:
{"hour": 4, "minute": 57}
